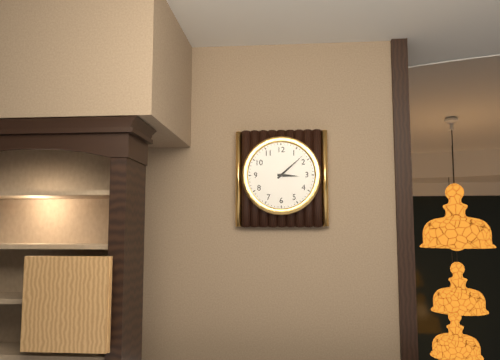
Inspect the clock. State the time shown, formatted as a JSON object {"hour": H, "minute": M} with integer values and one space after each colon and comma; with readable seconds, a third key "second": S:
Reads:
{"hour": 3, "minute": 8}
